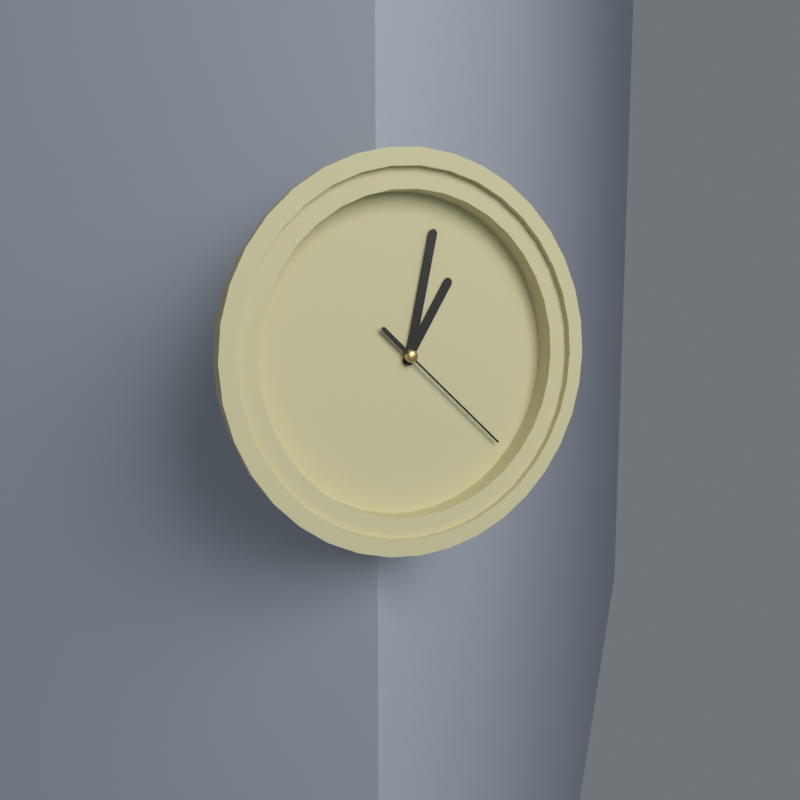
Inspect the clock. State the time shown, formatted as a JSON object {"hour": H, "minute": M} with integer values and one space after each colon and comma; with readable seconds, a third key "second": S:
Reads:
{"hour": 1, "minute": 2, "second": 22}
